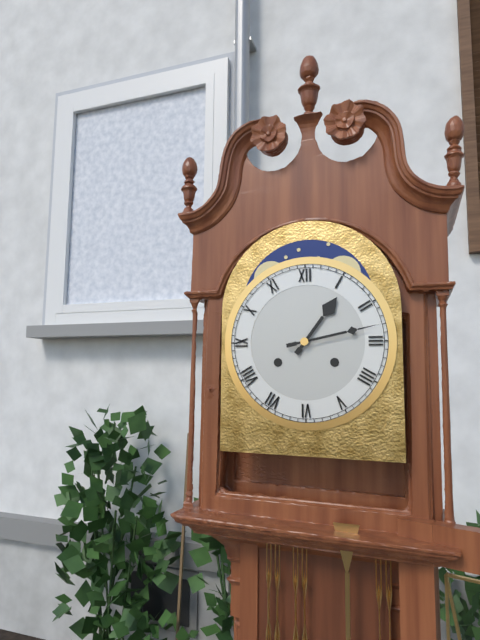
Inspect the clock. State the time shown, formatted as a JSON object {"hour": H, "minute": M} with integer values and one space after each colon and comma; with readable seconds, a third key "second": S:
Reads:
{"hour": 1, "minute": 13}
